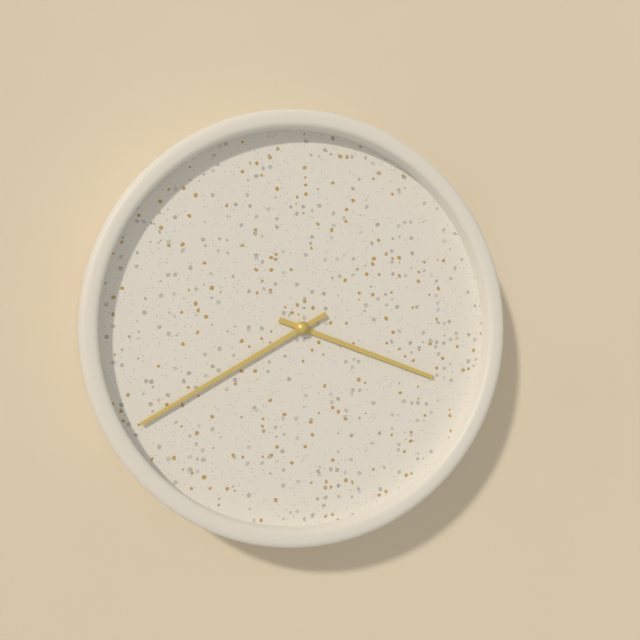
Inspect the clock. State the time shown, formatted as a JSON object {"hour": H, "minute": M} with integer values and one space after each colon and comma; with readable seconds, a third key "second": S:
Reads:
{"hour": 3, "minute": 40}
